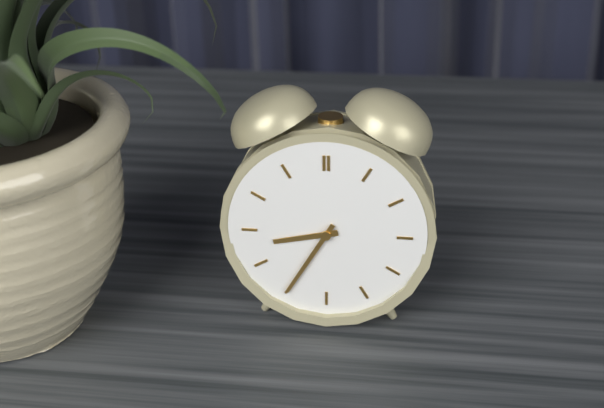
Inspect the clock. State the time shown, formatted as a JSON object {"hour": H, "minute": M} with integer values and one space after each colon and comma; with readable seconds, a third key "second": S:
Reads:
{"hour": 8, "minute": 35}
